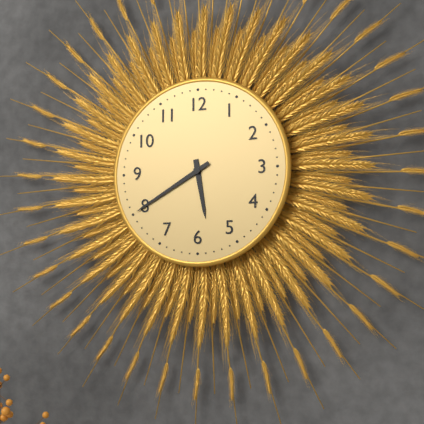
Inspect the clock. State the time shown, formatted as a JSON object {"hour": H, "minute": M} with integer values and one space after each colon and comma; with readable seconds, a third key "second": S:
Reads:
{"hour": 5, "minute": 40}
